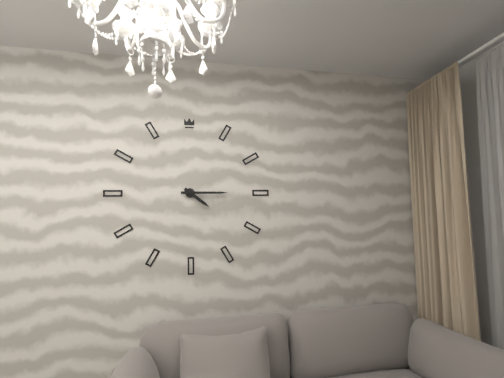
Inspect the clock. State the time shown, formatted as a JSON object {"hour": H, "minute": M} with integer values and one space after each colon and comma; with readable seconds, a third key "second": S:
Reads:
{"hour": 4, "minute": 15}
